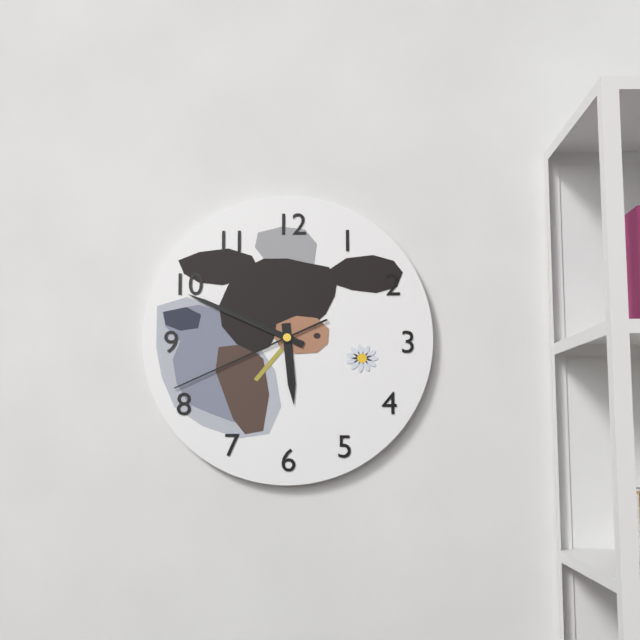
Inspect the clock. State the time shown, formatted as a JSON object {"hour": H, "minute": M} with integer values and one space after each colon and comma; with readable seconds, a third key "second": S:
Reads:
{"hour": 5, "minute": 49, "second": 41}
